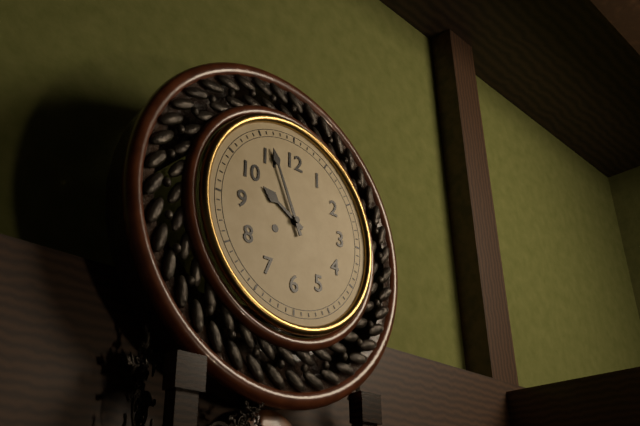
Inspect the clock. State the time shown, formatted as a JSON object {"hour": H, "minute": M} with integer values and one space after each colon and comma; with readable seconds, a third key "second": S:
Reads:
{"hour": 9, "minute": 56}
